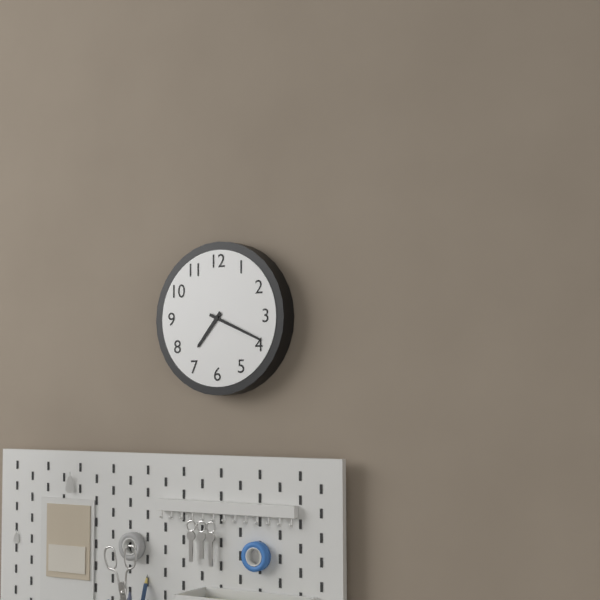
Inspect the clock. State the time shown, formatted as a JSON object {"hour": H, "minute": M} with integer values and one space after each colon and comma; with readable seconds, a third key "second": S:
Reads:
{"hour": 7, "minute": 19}
